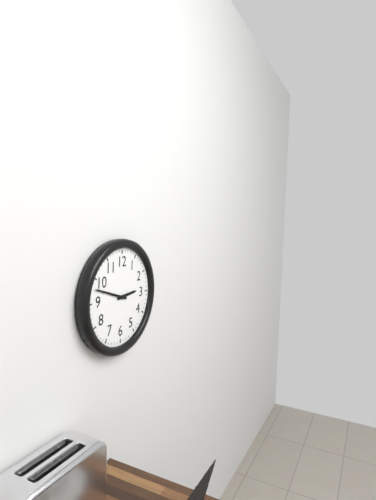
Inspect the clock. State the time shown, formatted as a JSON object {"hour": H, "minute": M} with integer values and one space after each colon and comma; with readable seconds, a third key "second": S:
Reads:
{"hour": 2, "minute": 48}
